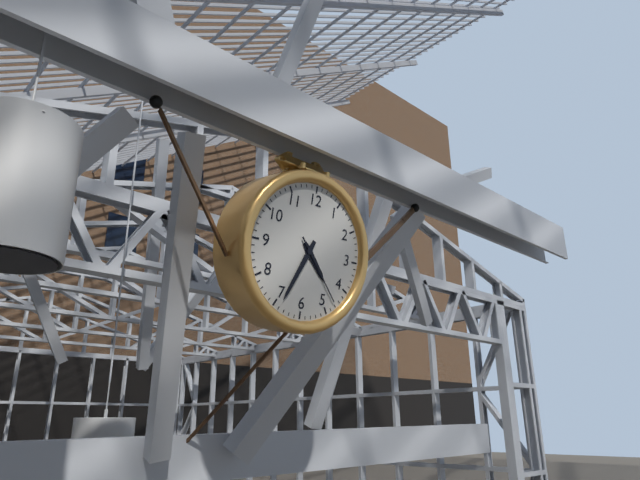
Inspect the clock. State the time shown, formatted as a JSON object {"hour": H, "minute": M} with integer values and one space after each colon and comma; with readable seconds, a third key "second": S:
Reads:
{"hour": 4, "minute": 34, "second": 23}
